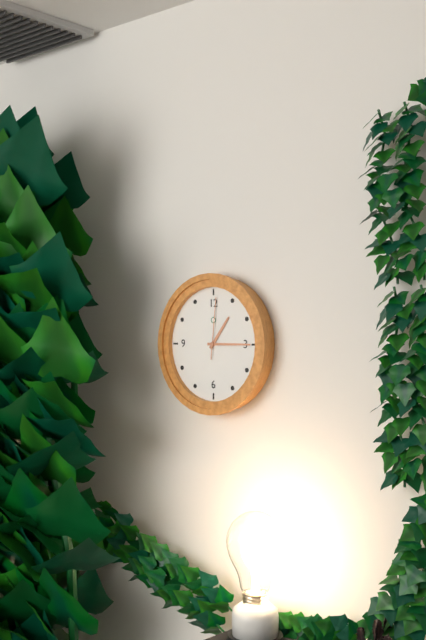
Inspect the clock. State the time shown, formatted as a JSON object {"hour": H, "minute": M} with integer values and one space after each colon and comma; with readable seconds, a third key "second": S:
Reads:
{"hour": 1, "minute": 15, "second": 1}
